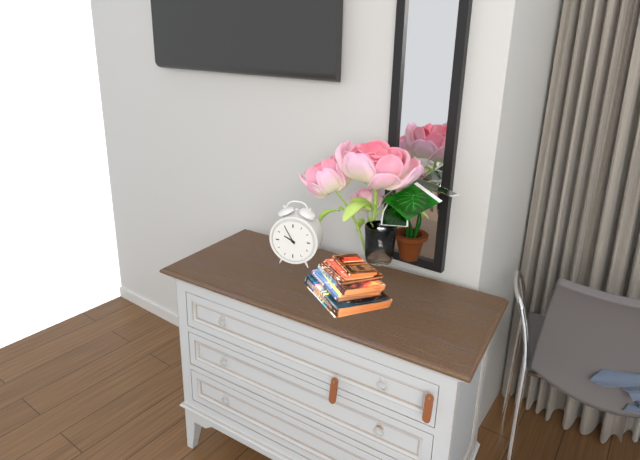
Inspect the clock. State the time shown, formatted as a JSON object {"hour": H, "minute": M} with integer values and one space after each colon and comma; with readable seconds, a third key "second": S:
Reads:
{"hour": 9, "minute": 55}
